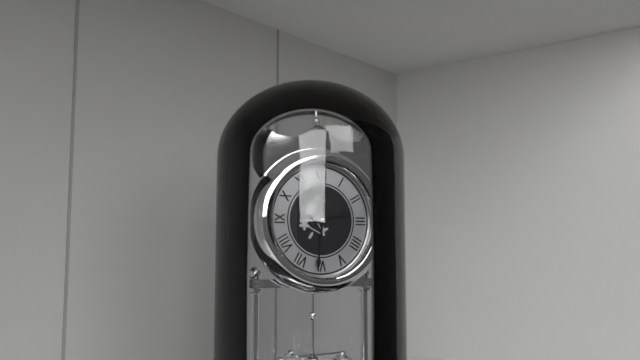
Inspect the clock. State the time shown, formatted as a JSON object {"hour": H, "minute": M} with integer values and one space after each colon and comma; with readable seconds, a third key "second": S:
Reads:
{"hour": 2, "minute": 31}
